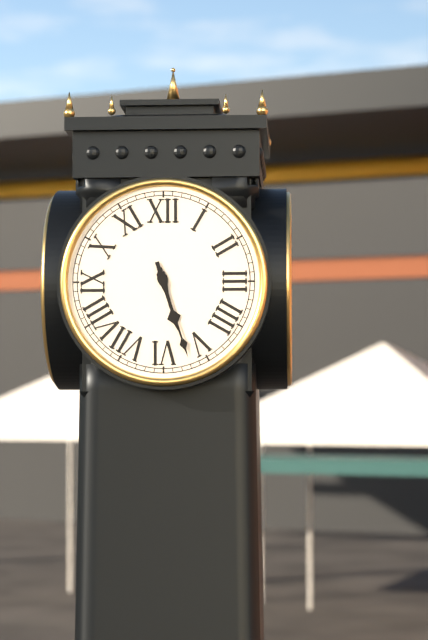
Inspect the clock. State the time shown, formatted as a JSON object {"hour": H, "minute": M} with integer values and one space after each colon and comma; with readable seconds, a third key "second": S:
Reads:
{"hour": 5, "minute": 27}
